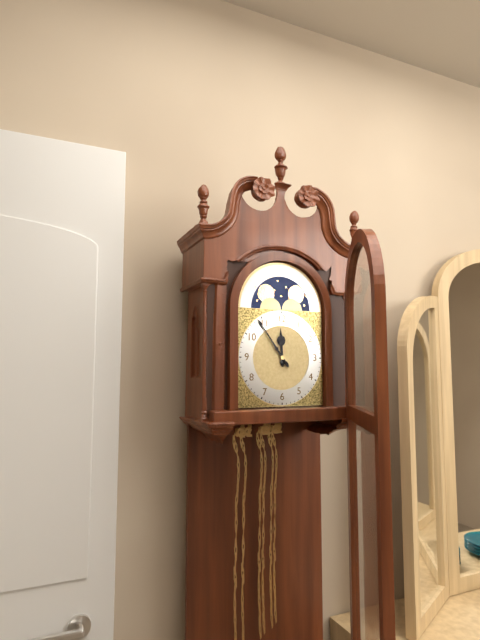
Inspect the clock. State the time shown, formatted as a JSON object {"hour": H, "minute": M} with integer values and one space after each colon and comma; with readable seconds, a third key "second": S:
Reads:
{"hour": 11, "minute": 54}
